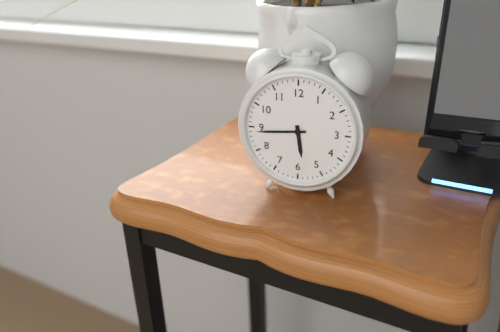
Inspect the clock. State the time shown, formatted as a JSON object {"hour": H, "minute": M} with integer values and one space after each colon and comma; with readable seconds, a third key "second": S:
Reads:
{"hour": 5, "minute": 44}
